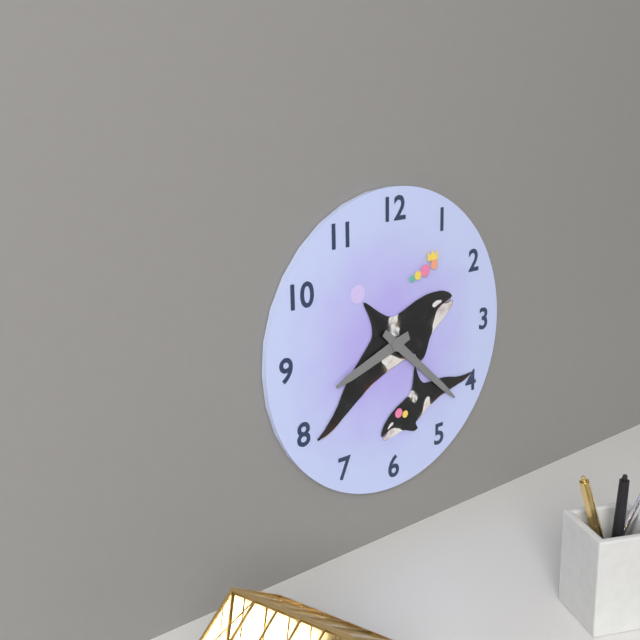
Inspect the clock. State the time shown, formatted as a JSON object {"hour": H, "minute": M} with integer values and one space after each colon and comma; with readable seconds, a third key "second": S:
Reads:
{"hour": 8, "minute": 22}
